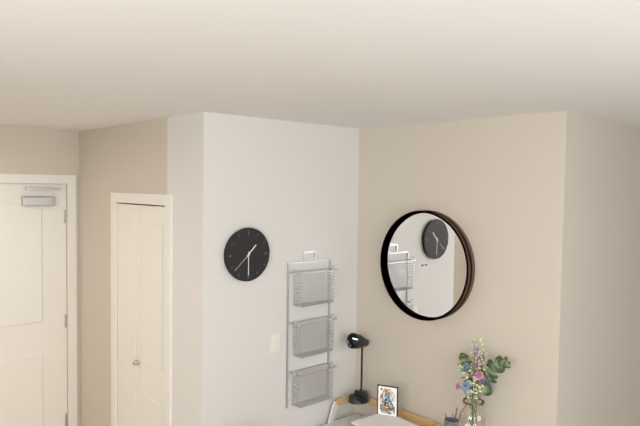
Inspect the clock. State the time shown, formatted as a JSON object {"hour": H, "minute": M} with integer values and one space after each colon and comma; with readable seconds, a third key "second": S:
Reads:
{"hour": 1, "minute": 30}
